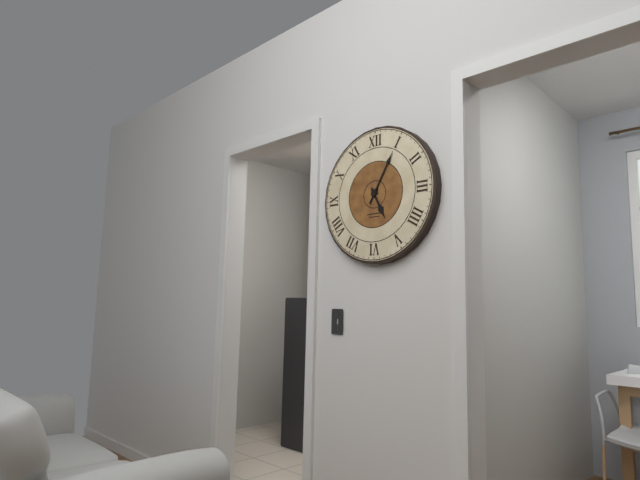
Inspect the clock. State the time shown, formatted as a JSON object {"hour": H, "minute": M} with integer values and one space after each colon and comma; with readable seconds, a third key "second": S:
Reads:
{"hour": 5, "minute": 5}
